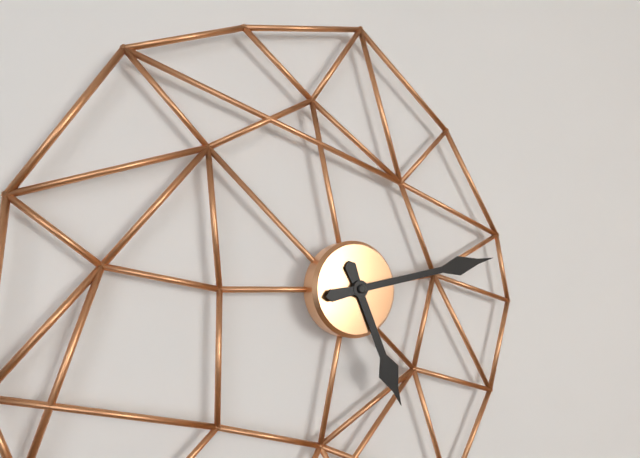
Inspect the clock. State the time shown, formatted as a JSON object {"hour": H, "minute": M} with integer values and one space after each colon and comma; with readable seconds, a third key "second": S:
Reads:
{"hour": 5, "minute": 13}
